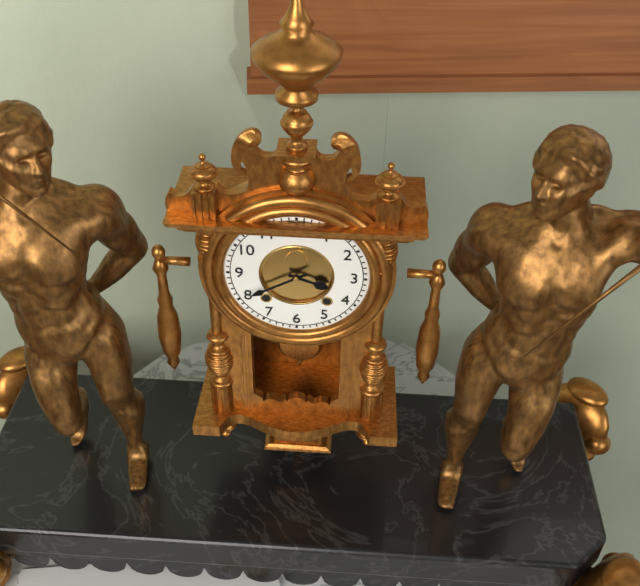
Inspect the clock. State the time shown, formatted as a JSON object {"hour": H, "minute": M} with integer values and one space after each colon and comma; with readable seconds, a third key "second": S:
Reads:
{"hour": 3, "minute": 40}
